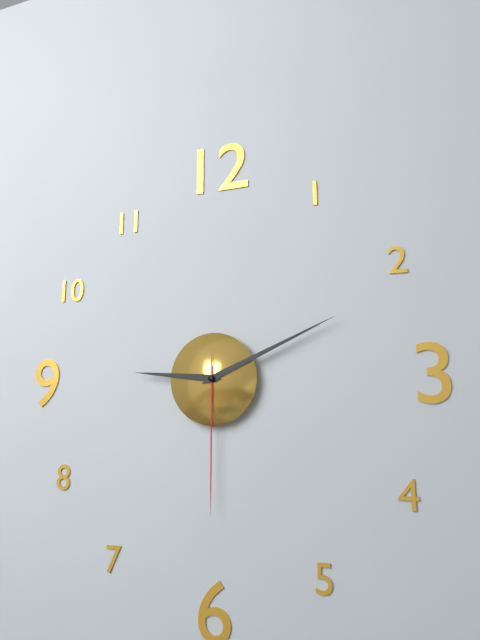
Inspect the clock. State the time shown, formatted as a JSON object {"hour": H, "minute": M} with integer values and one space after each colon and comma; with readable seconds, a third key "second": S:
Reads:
{"hour": 9, "minute": 11, "second": 30}
